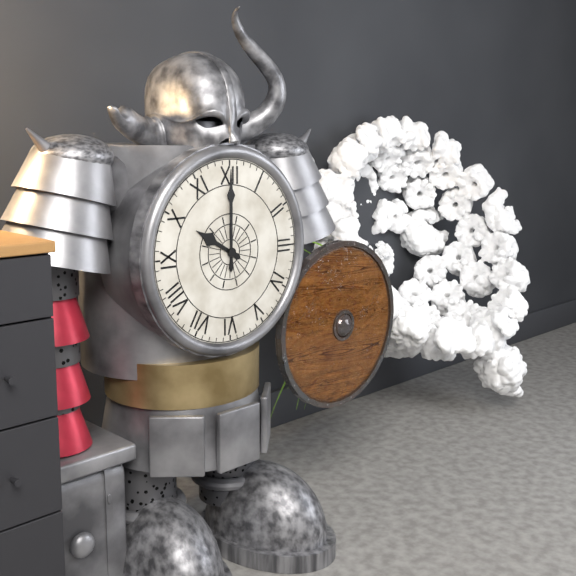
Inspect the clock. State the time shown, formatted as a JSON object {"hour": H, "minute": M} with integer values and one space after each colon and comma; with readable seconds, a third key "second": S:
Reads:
{"hour": 10, "minute": 0}
